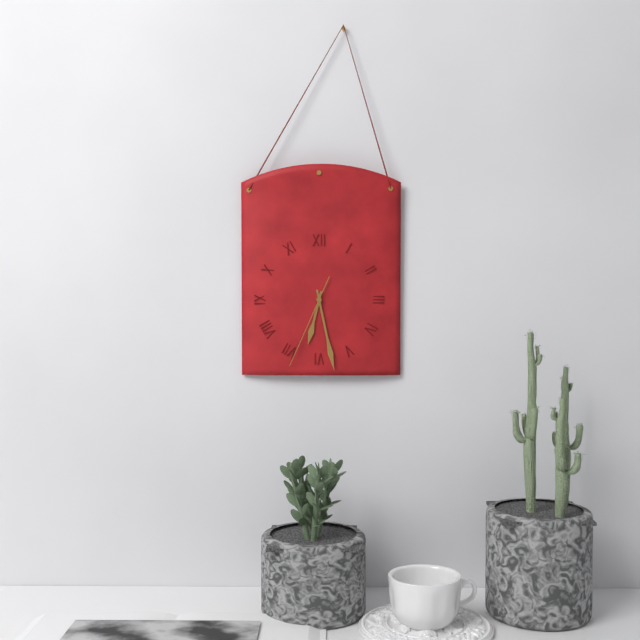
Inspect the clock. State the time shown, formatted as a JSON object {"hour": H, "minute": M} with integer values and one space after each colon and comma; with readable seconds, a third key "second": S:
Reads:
{"hour": 6, "minute": 28, "second": 34}
